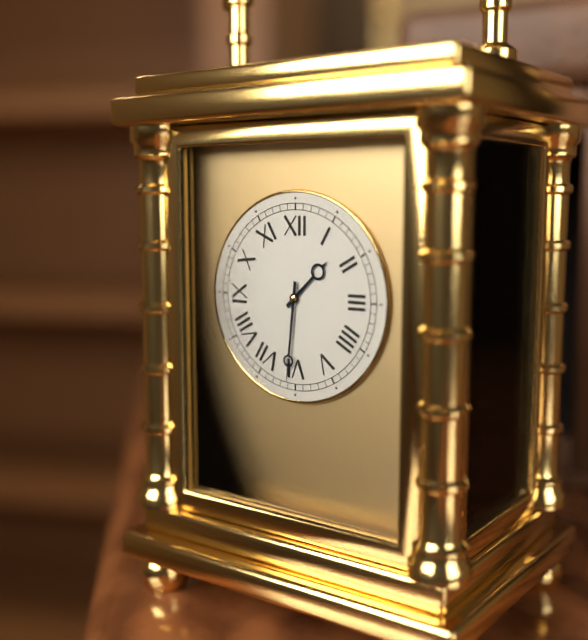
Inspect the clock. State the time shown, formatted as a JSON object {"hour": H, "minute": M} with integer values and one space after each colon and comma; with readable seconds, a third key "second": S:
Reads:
{"hour": 1, "minute": 31}
